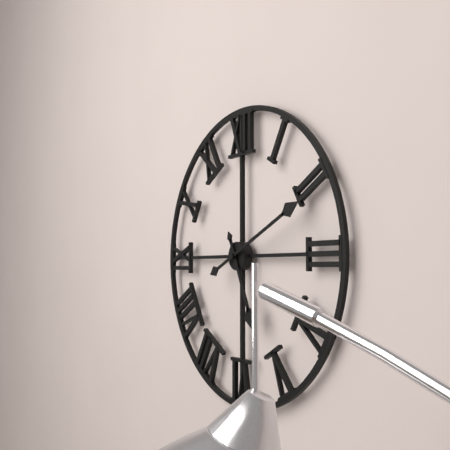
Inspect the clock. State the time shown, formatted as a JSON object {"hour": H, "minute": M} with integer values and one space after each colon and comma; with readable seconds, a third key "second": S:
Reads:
{"hour": 5, "minute": 11}
